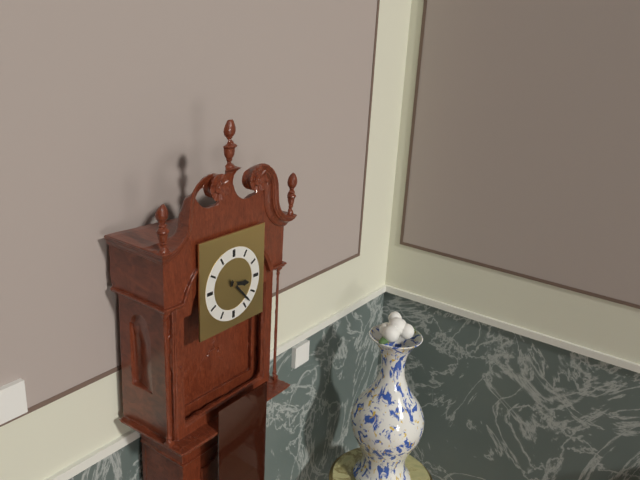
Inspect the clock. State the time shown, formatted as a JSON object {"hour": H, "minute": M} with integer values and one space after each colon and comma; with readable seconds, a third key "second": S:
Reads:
{"hour": 3, "minute": 23}
